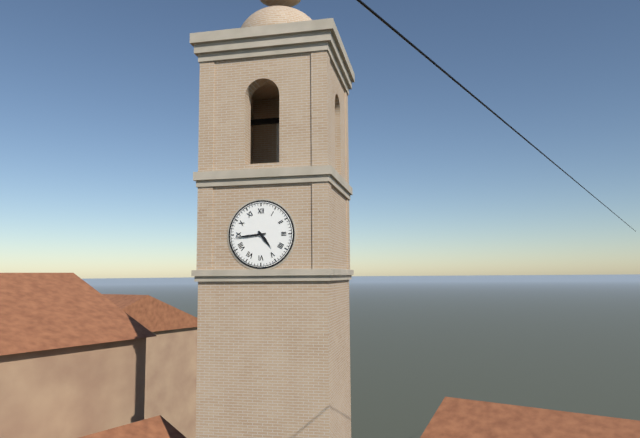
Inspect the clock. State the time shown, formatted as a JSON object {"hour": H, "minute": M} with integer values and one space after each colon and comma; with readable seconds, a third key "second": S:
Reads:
{"hour": 4, "minute": 44}
